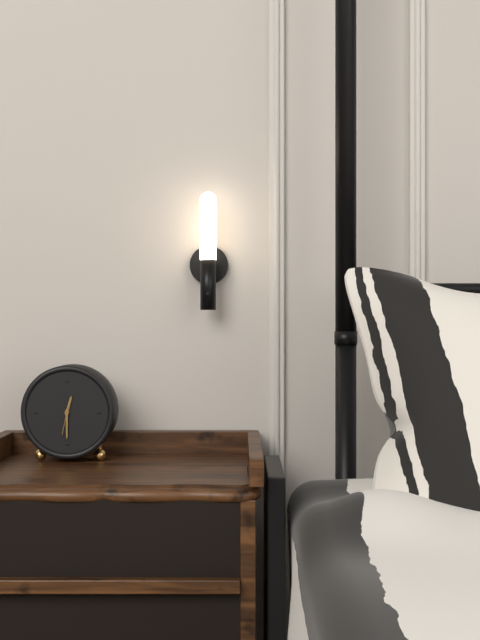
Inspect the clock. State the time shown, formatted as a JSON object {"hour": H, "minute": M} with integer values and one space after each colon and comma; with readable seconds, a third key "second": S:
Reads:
{"hour": 12, "minute": 30}
